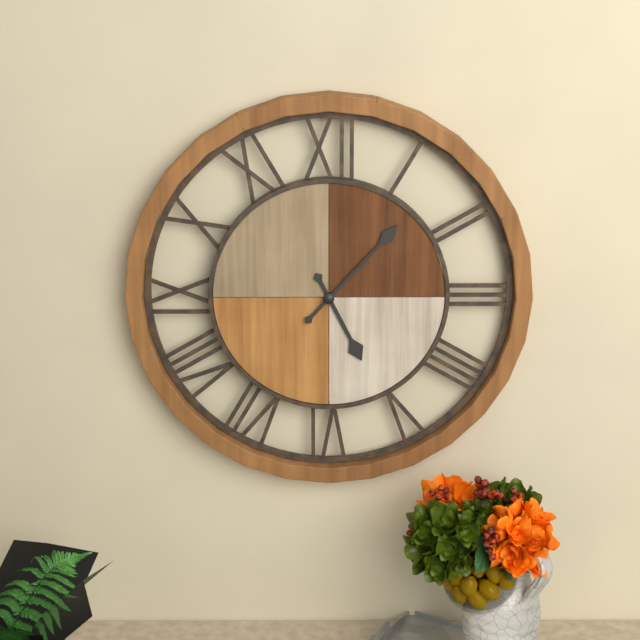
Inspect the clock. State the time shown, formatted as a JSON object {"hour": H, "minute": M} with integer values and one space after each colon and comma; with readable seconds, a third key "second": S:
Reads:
{"hour": 5, "minute": 7}
